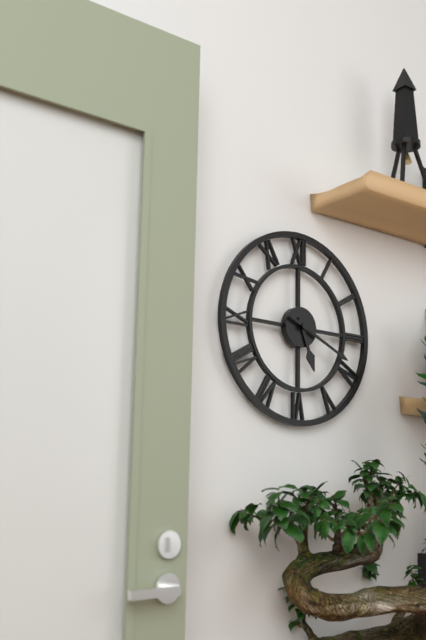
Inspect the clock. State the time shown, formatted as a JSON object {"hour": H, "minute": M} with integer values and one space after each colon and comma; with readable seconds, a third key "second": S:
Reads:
{"hour": 5, "minute": 19}
